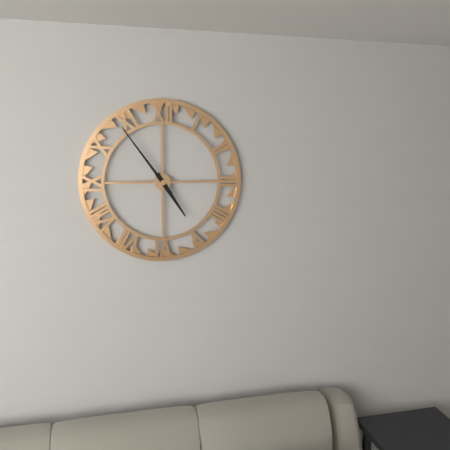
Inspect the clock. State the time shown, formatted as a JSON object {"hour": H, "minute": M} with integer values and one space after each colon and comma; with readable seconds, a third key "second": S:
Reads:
{"hour": 4, "minute": 54}
